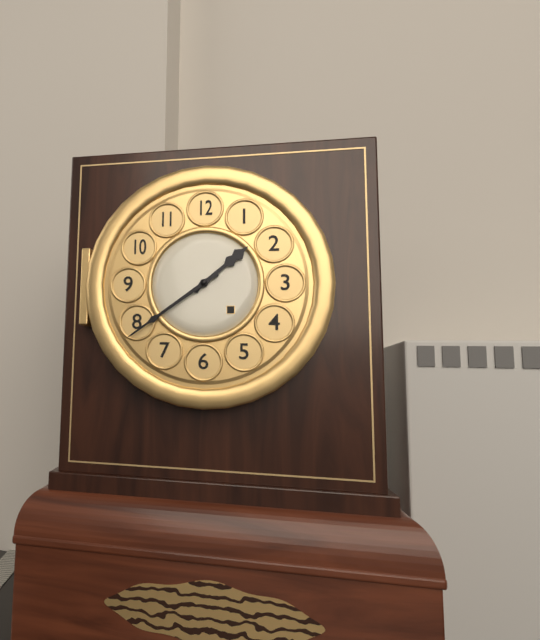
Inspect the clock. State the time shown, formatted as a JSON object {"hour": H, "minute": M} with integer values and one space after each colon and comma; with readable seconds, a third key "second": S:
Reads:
{"hour": 1, "minute": 39}
